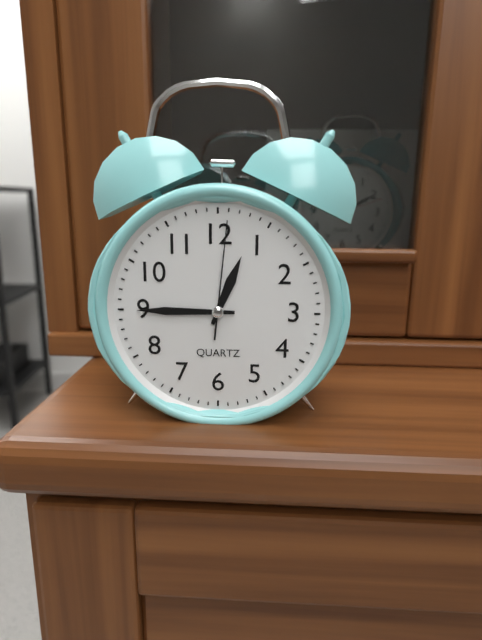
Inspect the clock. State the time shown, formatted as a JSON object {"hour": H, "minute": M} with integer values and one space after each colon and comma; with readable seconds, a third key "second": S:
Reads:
{"hour": 12, "minute": 45, "second": 1}
